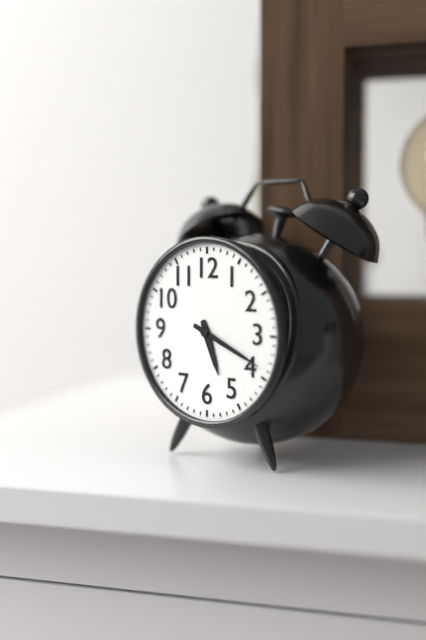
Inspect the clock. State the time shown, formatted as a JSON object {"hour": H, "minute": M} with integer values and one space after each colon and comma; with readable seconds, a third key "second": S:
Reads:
{"hour": 5, "minute": 19}
